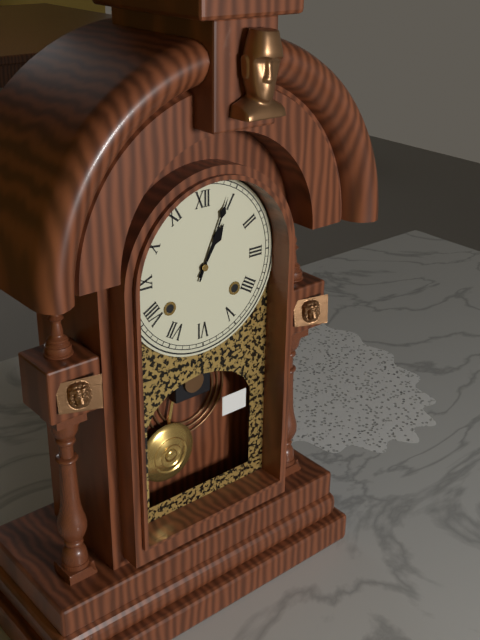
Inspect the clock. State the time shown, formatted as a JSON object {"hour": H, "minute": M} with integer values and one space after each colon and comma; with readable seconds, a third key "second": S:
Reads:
{"hour": 1, "minute": 4}
